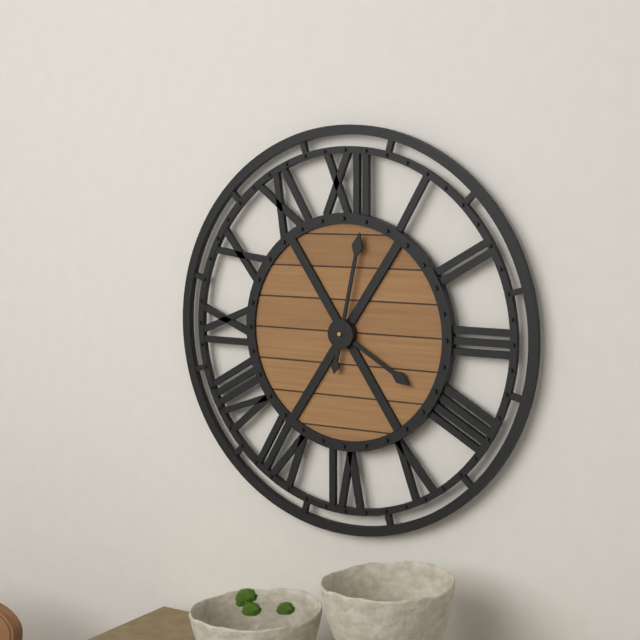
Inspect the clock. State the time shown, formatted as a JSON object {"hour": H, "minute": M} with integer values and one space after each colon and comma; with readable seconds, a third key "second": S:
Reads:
{"hour": 4, "minute": 2}
